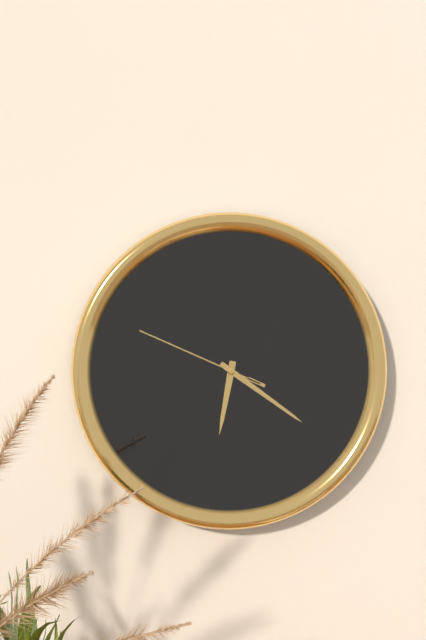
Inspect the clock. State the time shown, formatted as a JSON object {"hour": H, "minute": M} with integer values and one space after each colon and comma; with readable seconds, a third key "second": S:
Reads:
{"hour": 6, "minute": 21, "second": 49}
